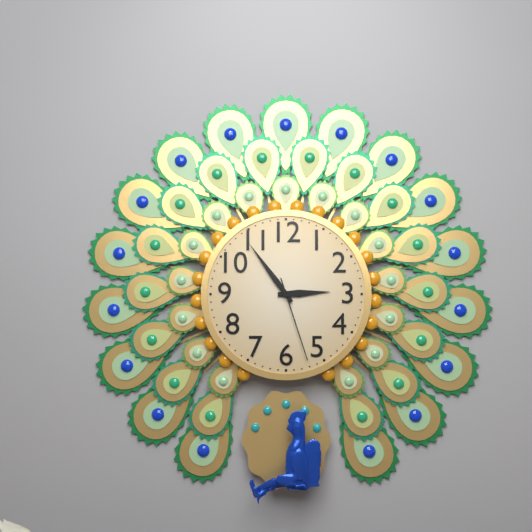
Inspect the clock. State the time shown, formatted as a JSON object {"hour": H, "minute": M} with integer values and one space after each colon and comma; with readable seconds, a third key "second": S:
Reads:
{"hour": 2, "minute": 54, "second": 27}
